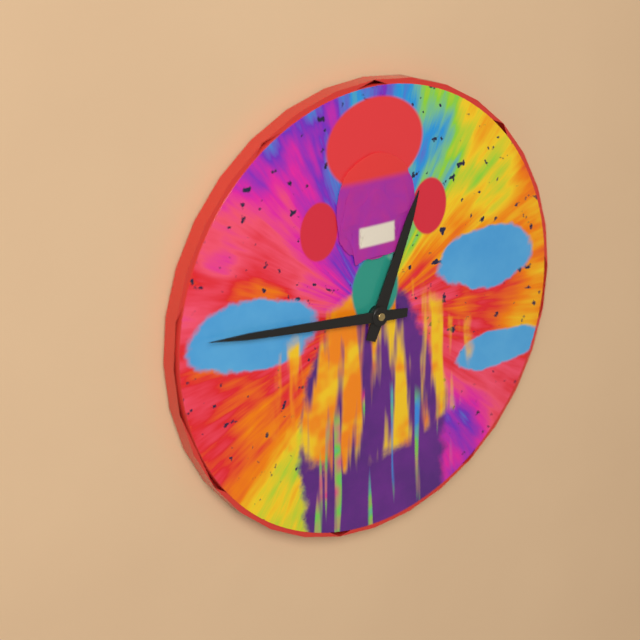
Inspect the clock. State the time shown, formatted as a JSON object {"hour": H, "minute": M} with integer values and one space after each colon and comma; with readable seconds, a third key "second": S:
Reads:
{"hour": 12, "minute": 46}
